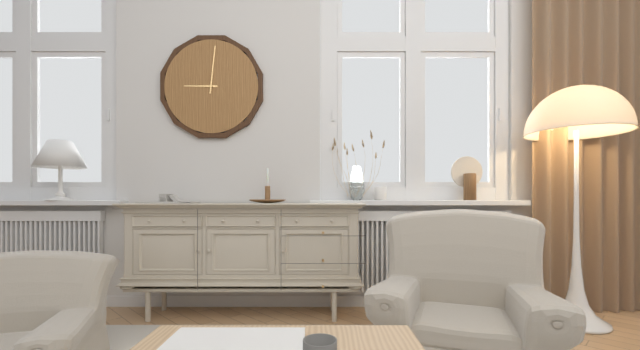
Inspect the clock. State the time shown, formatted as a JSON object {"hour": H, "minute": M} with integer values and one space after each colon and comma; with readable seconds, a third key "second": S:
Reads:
{"hour": 9, "minute": 1}
